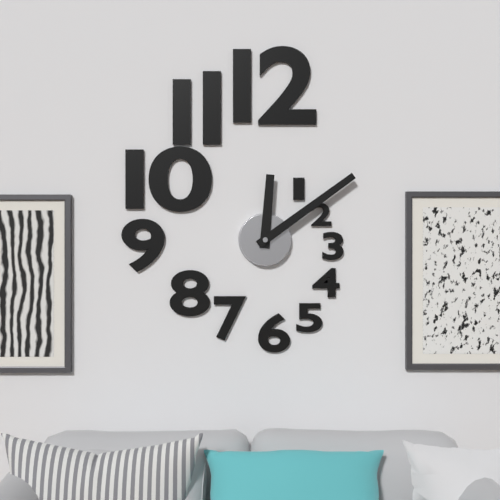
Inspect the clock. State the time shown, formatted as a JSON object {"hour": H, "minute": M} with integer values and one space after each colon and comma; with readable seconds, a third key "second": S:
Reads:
{"hour": 12, "minute": 9}
